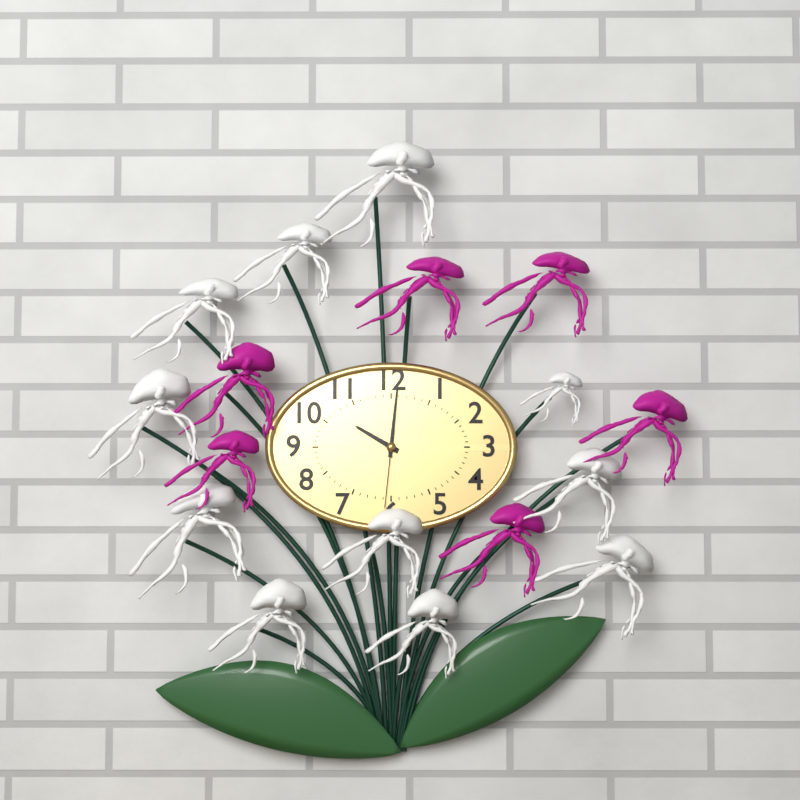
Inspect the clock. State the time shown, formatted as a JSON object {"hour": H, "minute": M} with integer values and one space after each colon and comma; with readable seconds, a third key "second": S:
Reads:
{"hour": 10, "minute": 1, "second": 31}
